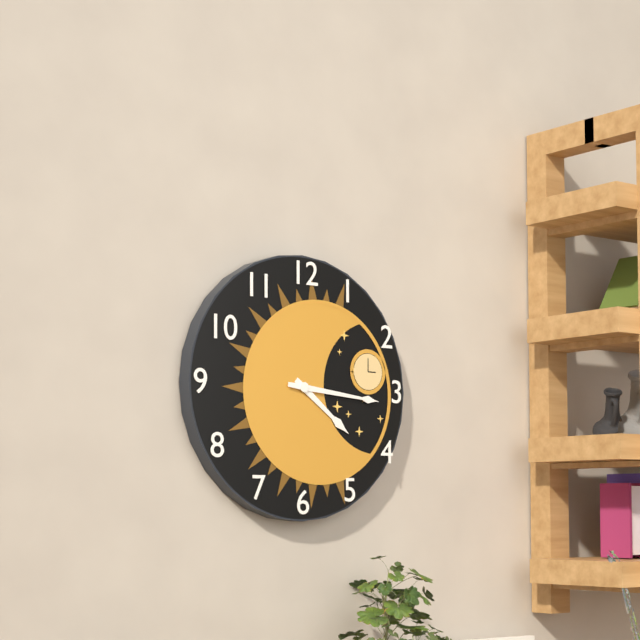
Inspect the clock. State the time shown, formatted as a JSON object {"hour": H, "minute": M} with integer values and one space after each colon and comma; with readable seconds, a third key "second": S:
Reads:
{"hour": 4, "minute": 16}
